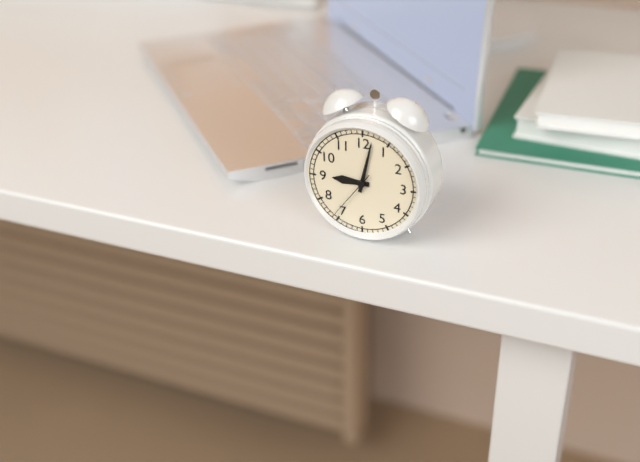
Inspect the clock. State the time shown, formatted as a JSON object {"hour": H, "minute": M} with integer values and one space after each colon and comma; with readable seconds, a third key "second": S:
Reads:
{"hour": 9, "minute": 2, "second": 36}
